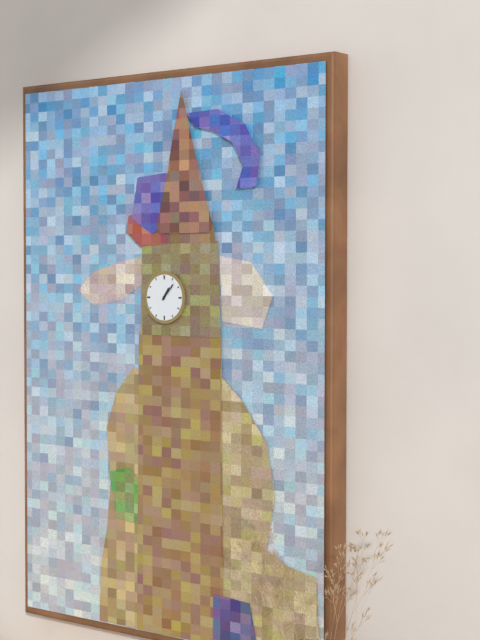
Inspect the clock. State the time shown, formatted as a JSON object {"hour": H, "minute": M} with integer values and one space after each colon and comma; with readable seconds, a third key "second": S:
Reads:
{"hour": 1, "minute": 7}
